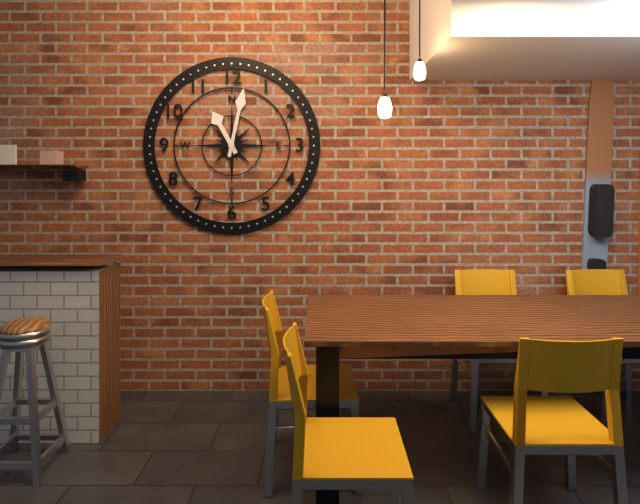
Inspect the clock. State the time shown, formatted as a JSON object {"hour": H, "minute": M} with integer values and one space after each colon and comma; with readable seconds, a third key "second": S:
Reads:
{"hour": 11, "minute": 2}
